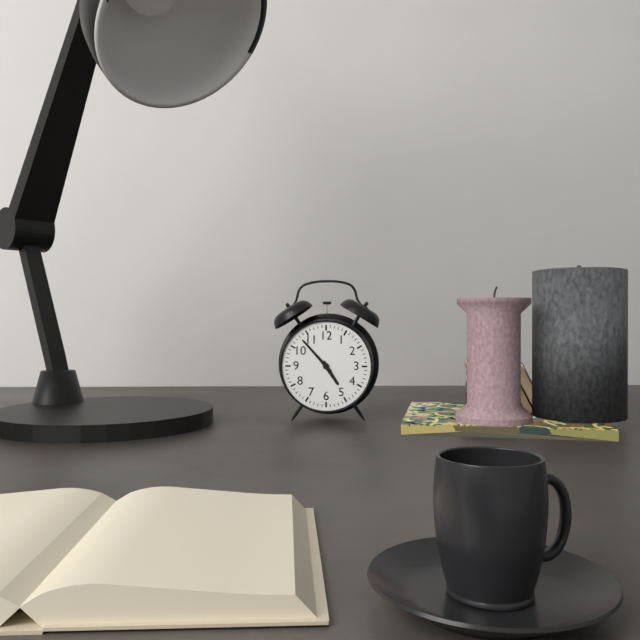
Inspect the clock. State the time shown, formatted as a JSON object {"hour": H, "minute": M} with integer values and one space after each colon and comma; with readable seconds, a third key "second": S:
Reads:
{"hour": 4, "minute": 53}
